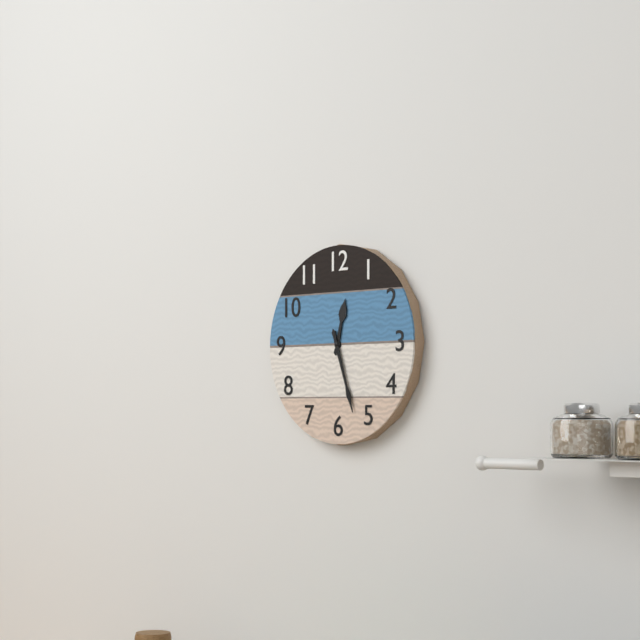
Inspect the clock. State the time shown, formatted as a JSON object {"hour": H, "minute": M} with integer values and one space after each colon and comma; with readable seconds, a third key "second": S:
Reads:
{"hour": 12, "minute": 27}
